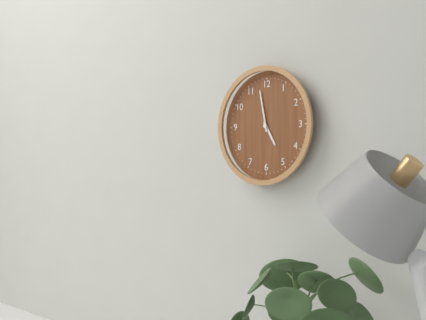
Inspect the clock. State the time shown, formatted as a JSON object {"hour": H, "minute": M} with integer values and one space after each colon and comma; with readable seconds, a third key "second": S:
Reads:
{"hour": 4, "minute": 58}
